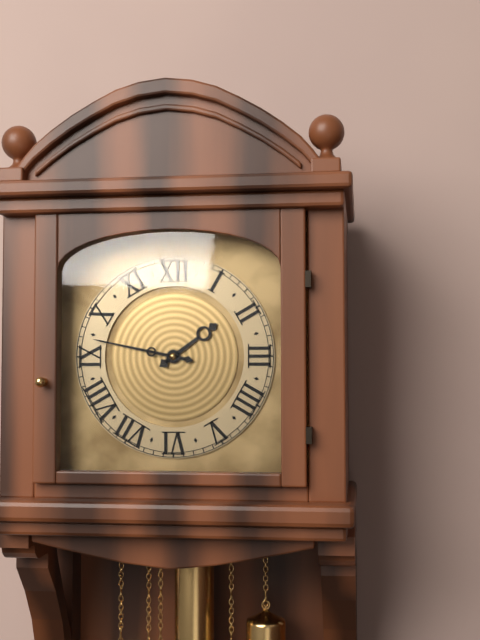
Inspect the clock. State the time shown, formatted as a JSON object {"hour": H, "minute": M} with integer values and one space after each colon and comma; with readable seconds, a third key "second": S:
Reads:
{"hour": 1, "minute": 47}
